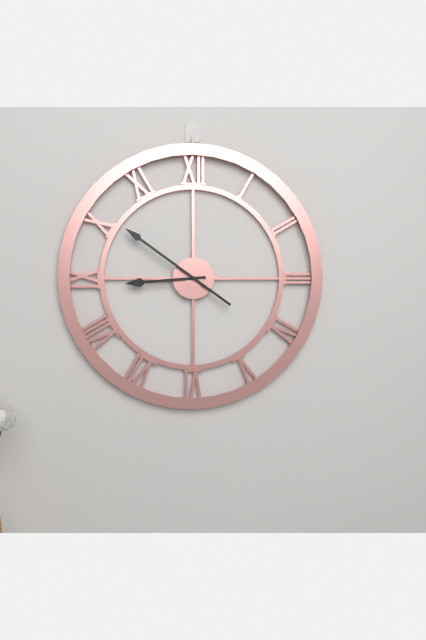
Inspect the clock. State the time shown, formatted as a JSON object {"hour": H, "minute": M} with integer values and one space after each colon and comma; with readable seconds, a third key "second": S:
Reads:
{"hour": 8, "minute": 51}
